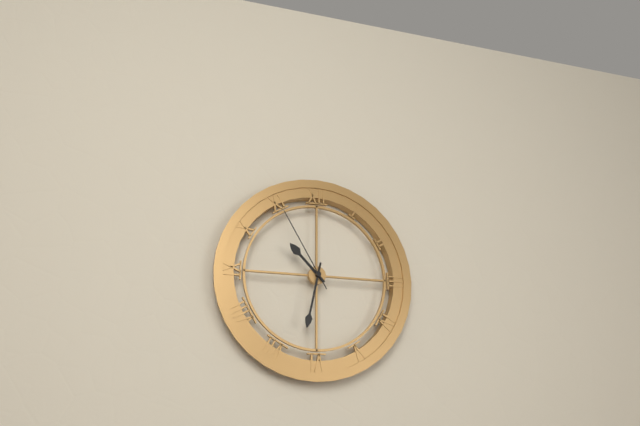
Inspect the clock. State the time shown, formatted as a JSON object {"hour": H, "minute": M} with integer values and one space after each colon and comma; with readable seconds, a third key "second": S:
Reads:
{"hour": 10, "minute": 32, "second": 55}
